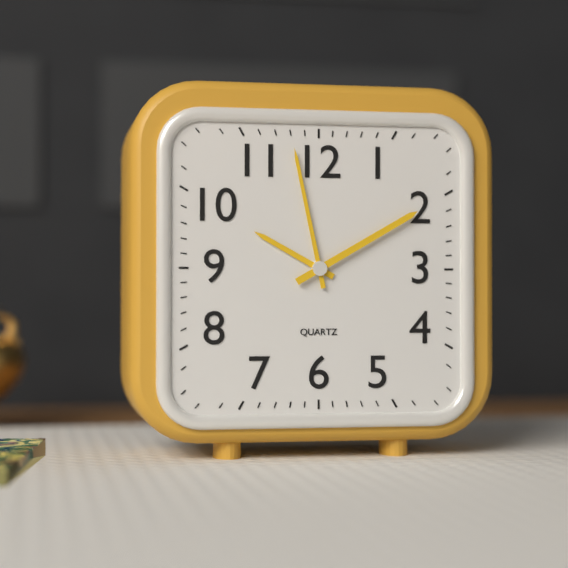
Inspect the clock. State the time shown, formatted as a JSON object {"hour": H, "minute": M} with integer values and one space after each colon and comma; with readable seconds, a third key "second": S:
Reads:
{"hour": 9, "minute": 58, "second": 10}
